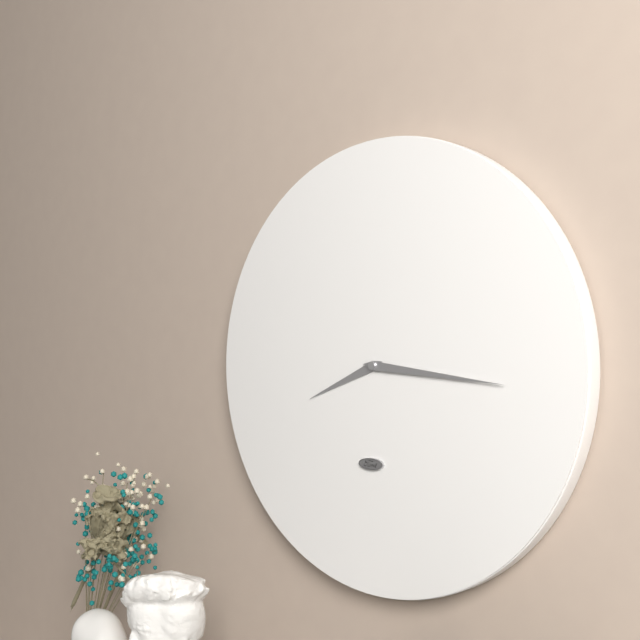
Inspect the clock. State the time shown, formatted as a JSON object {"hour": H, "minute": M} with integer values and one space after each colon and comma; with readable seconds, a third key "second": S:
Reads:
{"hour": 8, "minute": 16}
